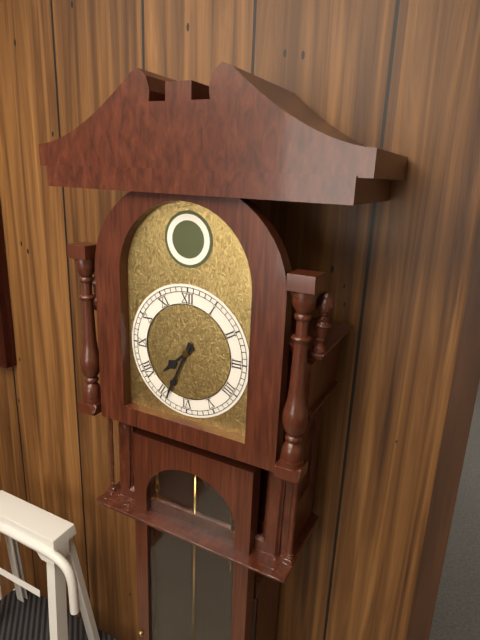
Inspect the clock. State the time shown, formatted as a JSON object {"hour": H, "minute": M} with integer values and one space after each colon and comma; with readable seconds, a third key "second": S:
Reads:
{"hour": 7, "minute": 34}
